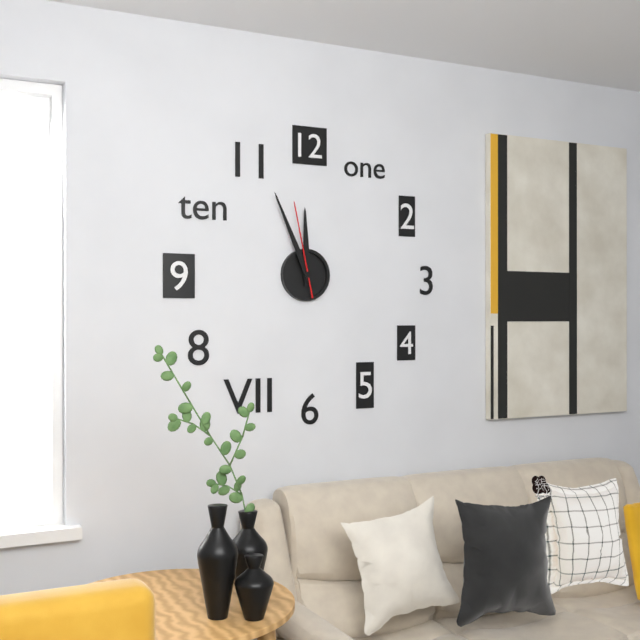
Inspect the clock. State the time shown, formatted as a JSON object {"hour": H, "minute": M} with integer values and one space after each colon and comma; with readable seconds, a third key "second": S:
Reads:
{"hour": 11, "minute": 56, "second": 58}
